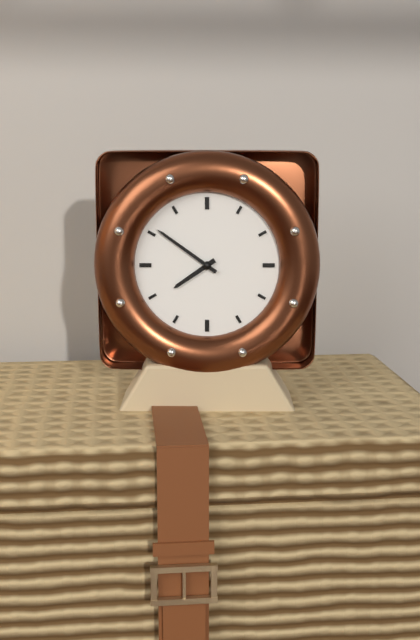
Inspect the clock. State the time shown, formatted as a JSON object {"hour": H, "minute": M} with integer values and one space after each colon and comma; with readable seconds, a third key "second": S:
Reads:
{"hour": 7, "minute": 51}
